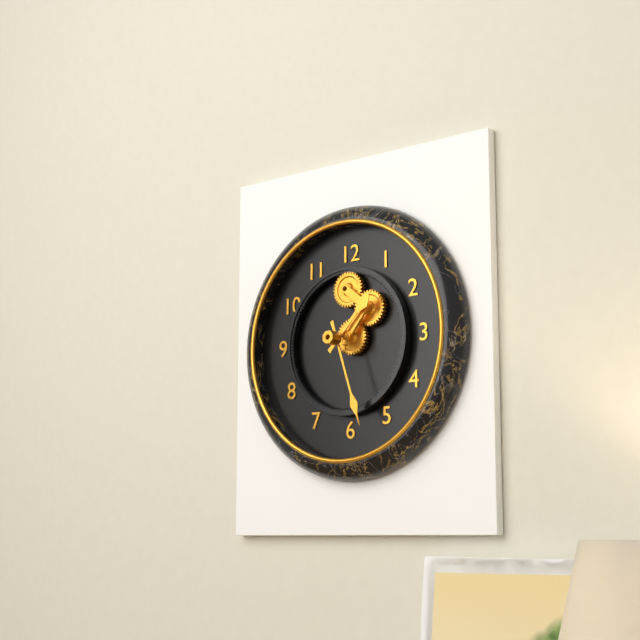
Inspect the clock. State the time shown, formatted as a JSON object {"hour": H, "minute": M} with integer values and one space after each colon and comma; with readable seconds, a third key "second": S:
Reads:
{"hour": 1, "minute": 27}
